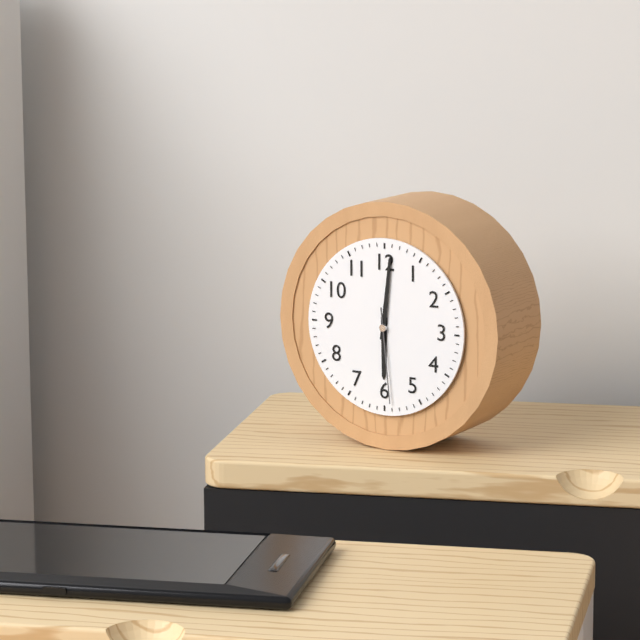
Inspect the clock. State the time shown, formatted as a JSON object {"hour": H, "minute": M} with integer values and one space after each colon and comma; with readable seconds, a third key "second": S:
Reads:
{"hour": 6, "minute": 1, "second": 29}
